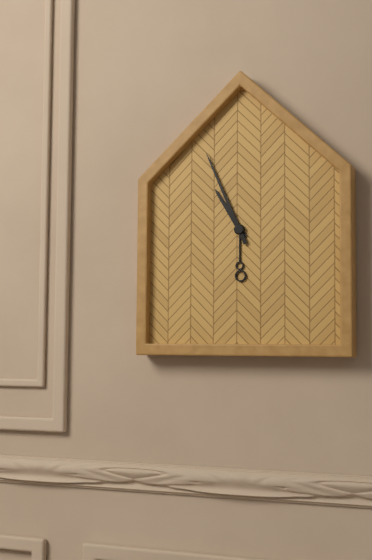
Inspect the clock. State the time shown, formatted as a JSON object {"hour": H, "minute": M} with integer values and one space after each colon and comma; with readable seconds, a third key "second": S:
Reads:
{"hour": 10, "minute": 56}
